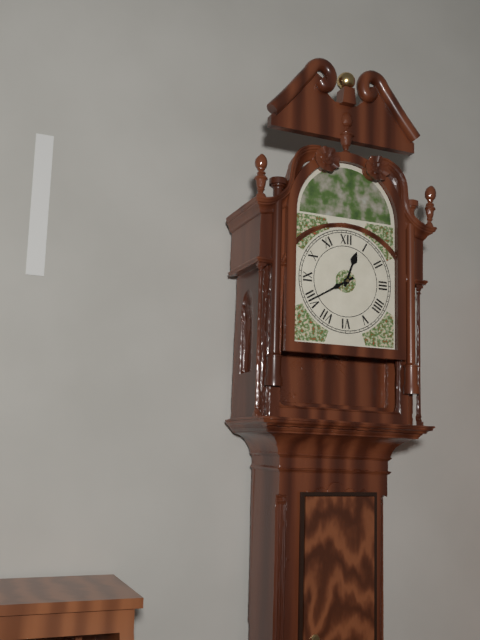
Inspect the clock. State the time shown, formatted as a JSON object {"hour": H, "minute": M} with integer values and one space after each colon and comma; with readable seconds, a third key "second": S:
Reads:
{"hour": 12, "minute": 40}
